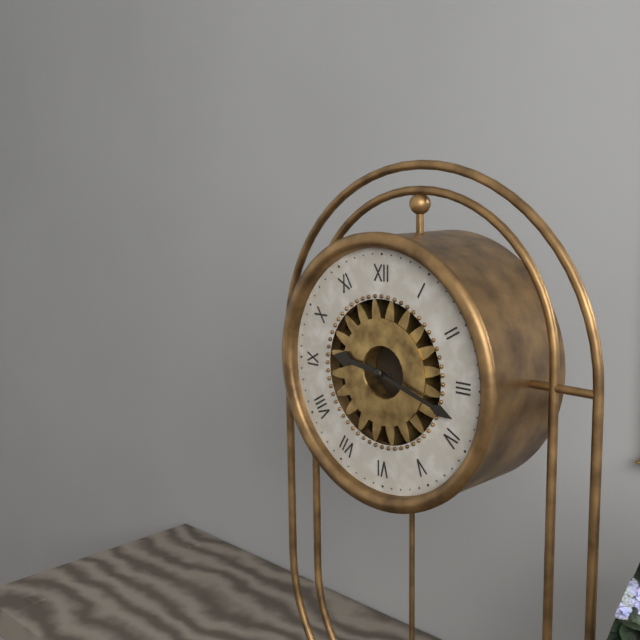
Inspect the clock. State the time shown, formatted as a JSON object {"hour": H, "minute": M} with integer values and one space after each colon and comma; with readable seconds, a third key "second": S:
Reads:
{"hour": 9, "minute": 18}
